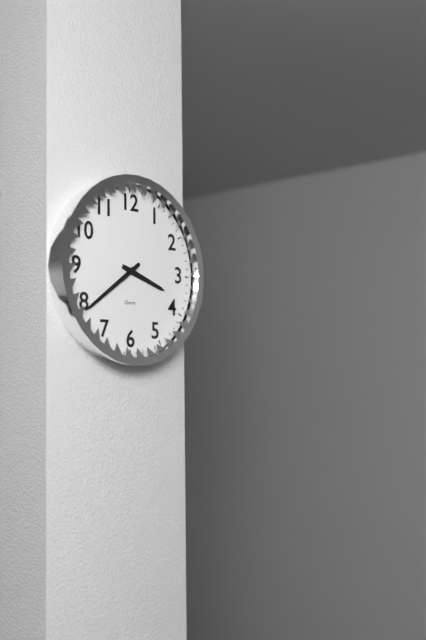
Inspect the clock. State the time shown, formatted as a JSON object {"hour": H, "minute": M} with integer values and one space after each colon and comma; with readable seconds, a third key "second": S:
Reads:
{"hour": 3, "minute": 39}
